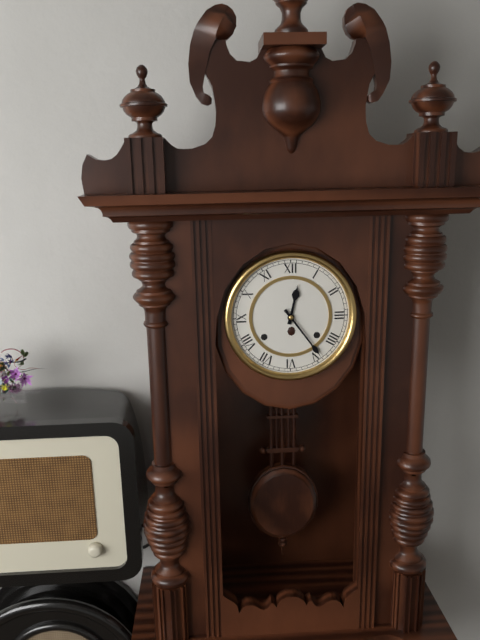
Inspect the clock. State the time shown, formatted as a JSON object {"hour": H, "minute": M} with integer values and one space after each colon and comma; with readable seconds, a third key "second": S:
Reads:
{"hour": 12, "minute": 24}
